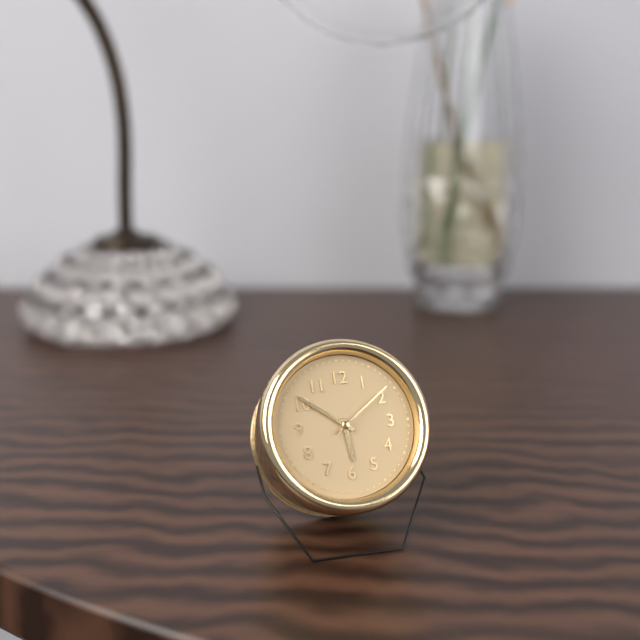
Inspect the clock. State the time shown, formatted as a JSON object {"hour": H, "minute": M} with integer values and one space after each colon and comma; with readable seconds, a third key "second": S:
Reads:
{"hour": 5, "minute": 51, "second": 9}
